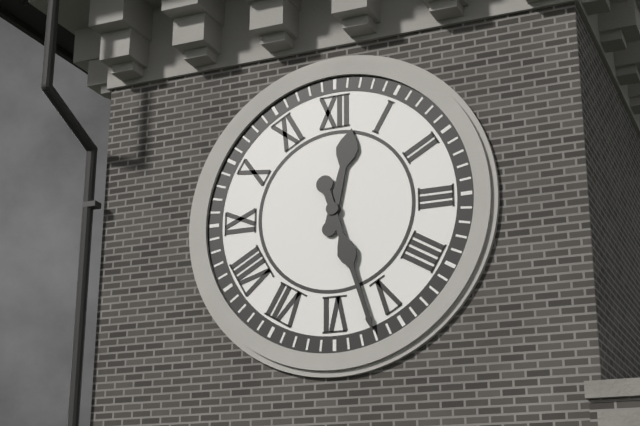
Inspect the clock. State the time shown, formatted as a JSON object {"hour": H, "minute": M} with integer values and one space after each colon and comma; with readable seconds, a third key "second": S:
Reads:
{"hour": 12, "minute": 27}
